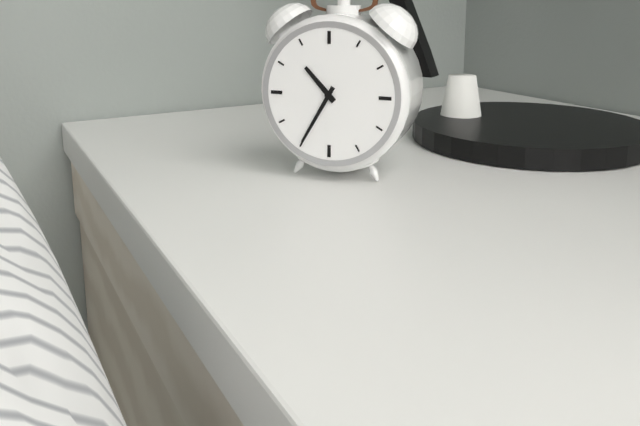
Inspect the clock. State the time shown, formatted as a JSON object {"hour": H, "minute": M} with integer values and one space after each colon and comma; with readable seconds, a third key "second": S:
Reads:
{"hour": 10, "minute": 35}
